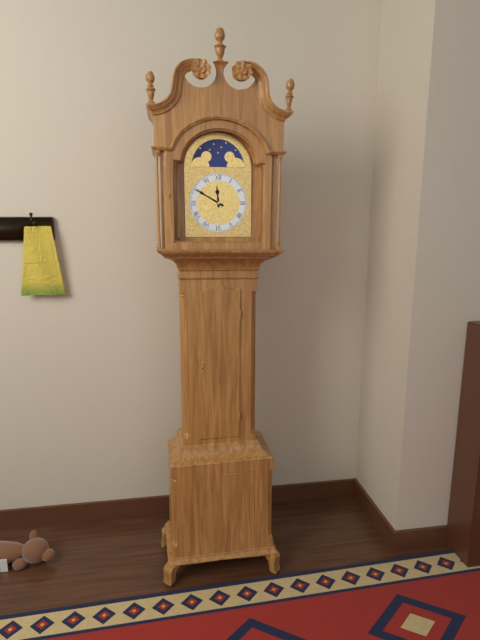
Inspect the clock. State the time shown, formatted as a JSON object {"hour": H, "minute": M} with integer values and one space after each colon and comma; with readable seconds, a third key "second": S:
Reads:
{"hour": 11, "minute": 50}
